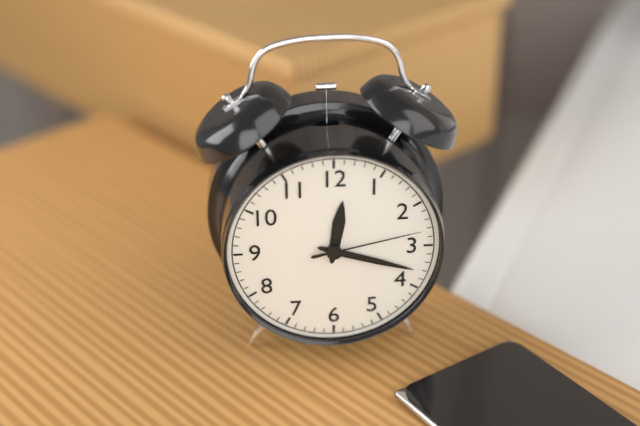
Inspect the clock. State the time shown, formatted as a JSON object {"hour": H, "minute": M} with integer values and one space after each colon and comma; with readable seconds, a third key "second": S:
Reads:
{"hour": 12, "minute": 18, "second": 13}
